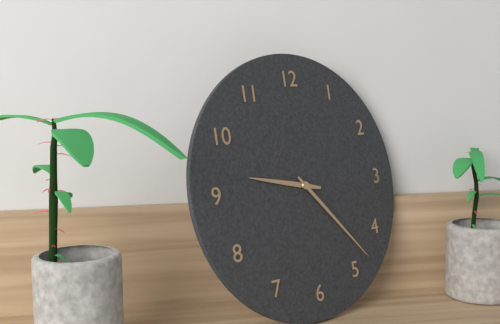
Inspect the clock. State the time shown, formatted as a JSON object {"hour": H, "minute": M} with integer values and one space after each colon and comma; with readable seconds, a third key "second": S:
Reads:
{"hour": 9, "minute": 23}
